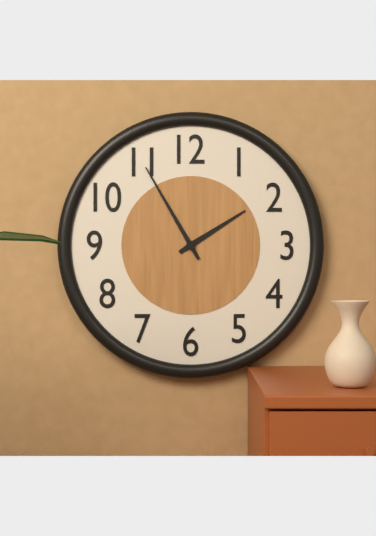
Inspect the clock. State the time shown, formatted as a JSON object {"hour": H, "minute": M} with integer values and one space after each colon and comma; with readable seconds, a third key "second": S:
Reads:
{"hour": 1, "minute": 55}
